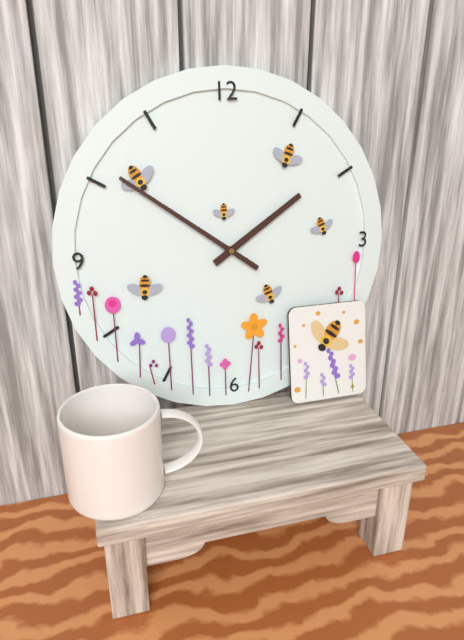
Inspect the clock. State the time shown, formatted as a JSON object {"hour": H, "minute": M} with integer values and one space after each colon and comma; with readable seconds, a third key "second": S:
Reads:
{"hour": 1, "minute": 51}
